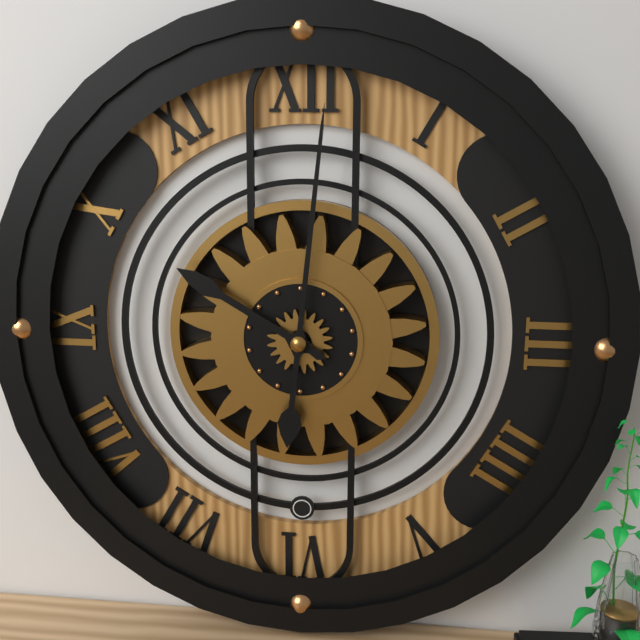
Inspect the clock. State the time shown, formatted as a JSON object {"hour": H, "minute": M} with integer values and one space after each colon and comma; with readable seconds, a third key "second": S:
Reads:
{"hour": 10, "minute": 1}
